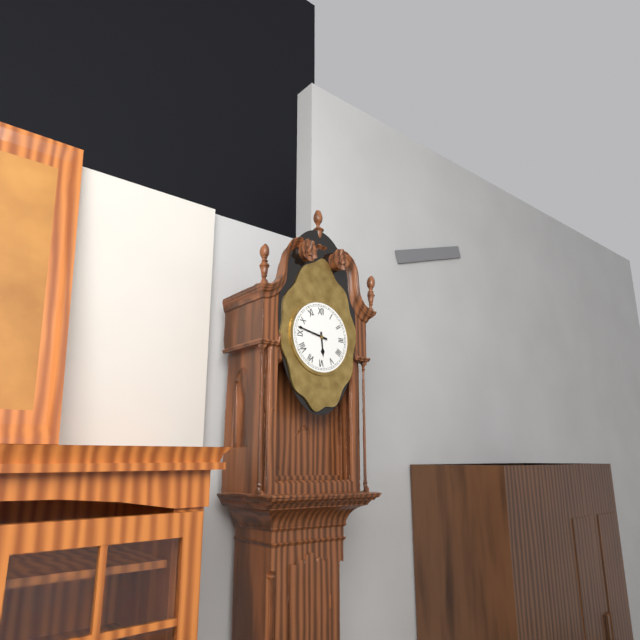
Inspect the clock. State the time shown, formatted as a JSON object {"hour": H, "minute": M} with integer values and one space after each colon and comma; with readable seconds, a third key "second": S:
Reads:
{"hour": 5, "minute": 47}
